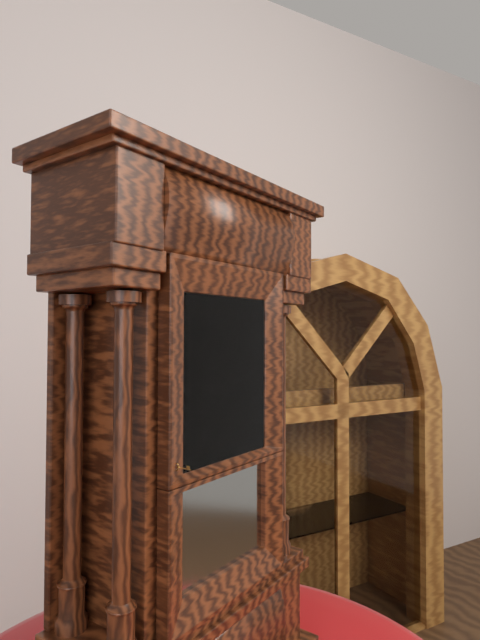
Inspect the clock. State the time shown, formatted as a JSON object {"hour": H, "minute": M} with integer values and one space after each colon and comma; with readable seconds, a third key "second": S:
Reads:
{"hour": 5, "minute": 23}
